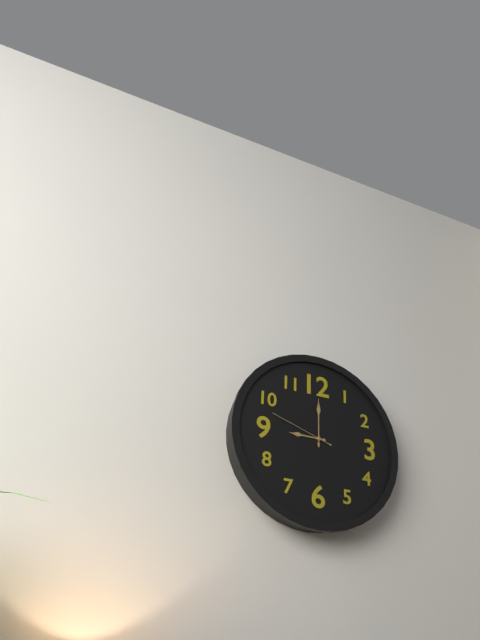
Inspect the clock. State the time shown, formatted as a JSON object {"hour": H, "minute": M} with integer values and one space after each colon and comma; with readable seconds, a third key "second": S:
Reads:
{"hour": 9, "minute": 0, "second": 48}
